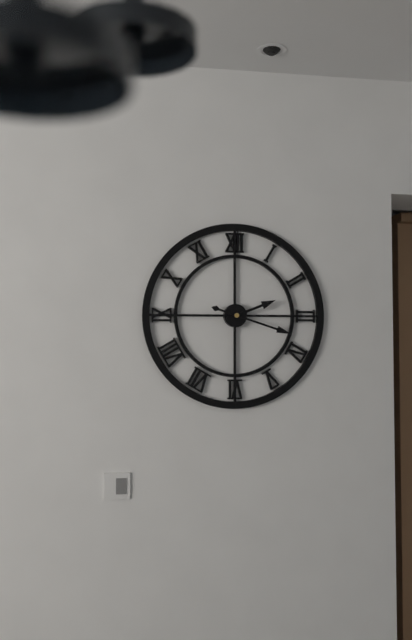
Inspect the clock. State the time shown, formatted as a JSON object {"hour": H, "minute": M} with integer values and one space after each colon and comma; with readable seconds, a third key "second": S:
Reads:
{"hour": 2, "minute": 18}
